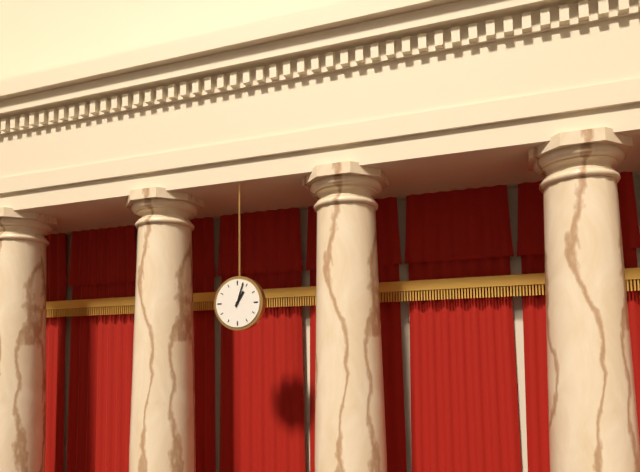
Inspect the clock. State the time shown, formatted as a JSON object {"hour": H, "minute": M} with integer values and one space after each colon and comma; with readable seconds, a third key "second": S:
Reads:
{"hour": 1, "minute": 3}
